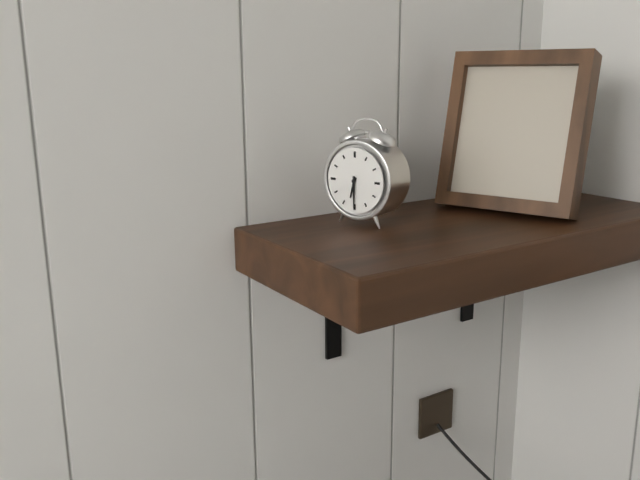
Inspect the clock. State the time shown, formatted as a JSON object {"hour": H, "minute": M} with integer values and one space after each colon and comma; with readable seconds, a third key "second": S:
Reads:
{"hour": 6, "minute": 30}
